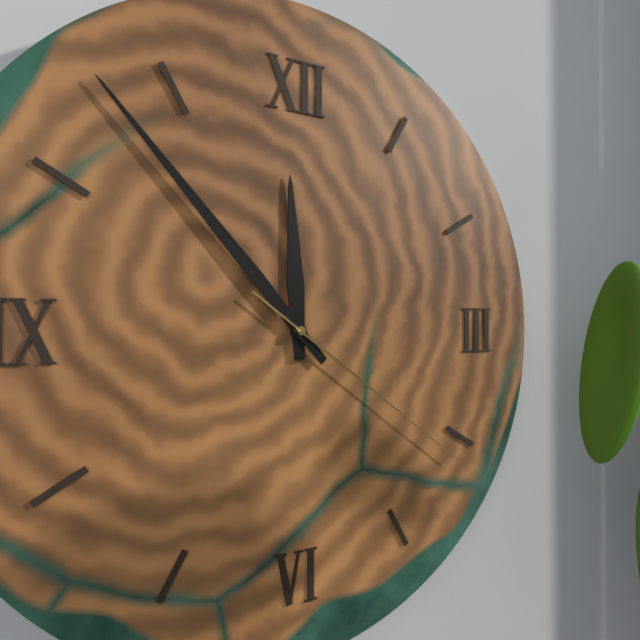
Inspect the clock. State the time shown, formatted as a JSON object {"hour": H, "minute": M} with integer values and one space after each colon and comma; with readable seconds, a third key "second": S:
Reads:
{"hour": 11, "minute": 53, "second": 21}
